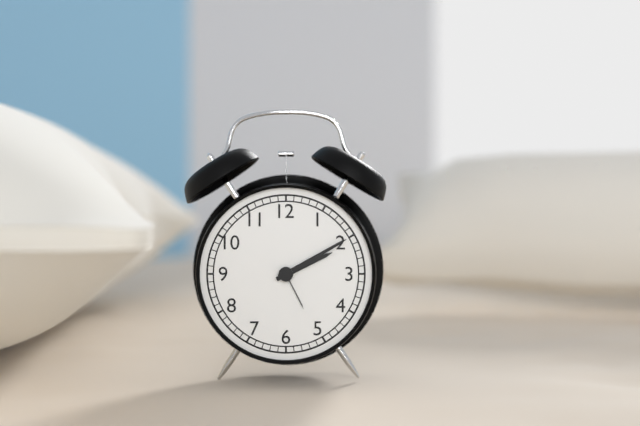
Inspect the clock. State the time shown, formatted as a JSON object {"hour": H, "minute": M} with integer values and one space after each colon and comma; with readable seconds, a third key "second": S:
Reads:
{"hour": 2, "minute": 10}
